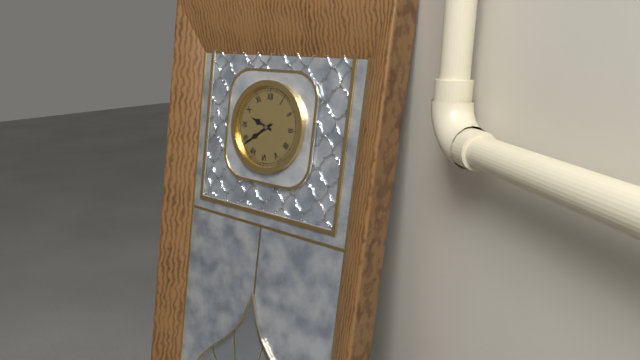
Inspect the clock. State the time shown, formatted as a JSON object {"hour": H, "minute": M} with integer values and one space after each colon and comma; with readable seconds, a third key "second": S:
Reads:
{"hour": 9, "minute": 39}
